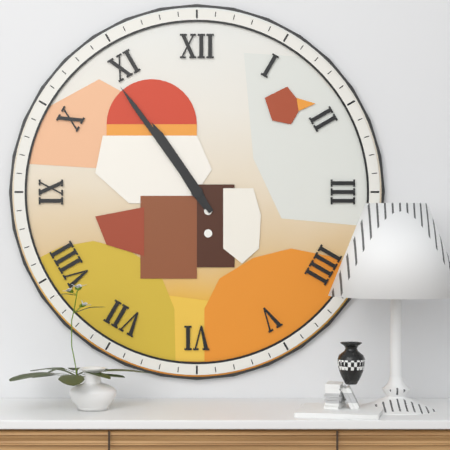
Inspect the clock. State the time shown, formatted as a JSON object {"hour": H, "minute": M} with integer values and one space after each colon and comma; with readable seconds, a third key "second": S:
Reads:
{"hour": 10, "minute": 54}
